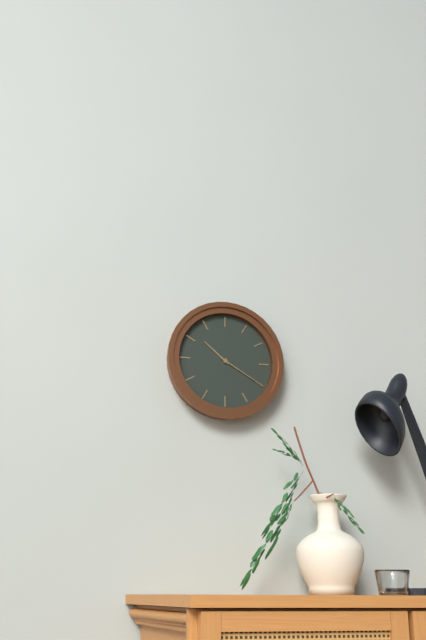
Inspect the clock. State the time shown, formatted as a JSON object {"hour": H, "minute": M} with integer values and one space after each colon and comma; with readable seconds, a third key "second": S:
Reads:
{"hour": 10, "minute": 20}
